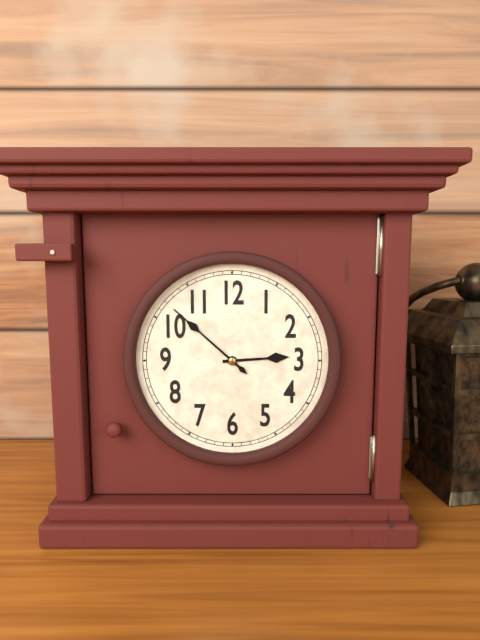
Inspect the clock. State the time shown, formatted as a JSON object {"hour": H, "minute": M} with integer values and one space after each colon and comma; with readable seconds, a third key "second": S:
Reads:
{"hour": 2, "minute": 52}
